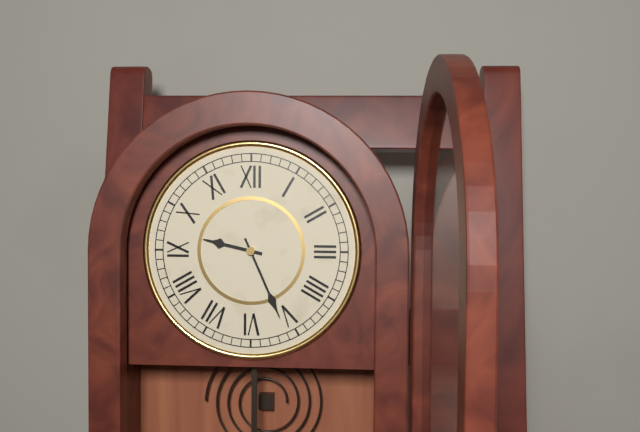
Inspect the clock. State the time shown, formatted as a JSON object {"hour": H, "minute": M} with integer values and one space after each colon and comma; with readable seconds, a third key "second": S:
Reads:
{"hour": 9, "minute": 26}
